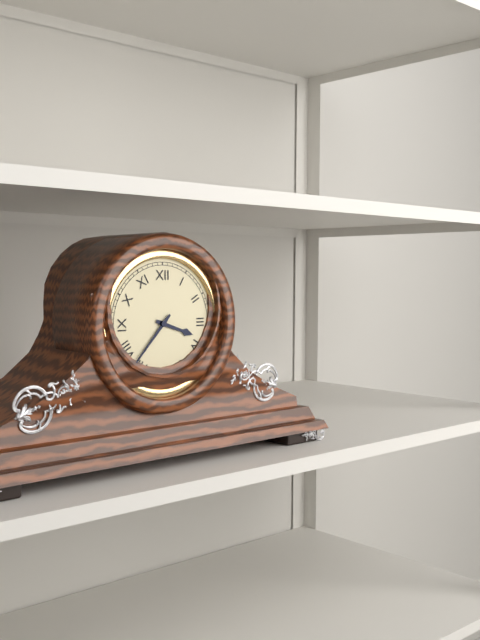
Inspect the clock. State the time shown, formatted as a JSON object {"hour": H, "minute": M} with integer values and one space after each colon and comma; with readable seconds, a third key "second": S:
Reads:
{"hour": 3, "minute": 37}
